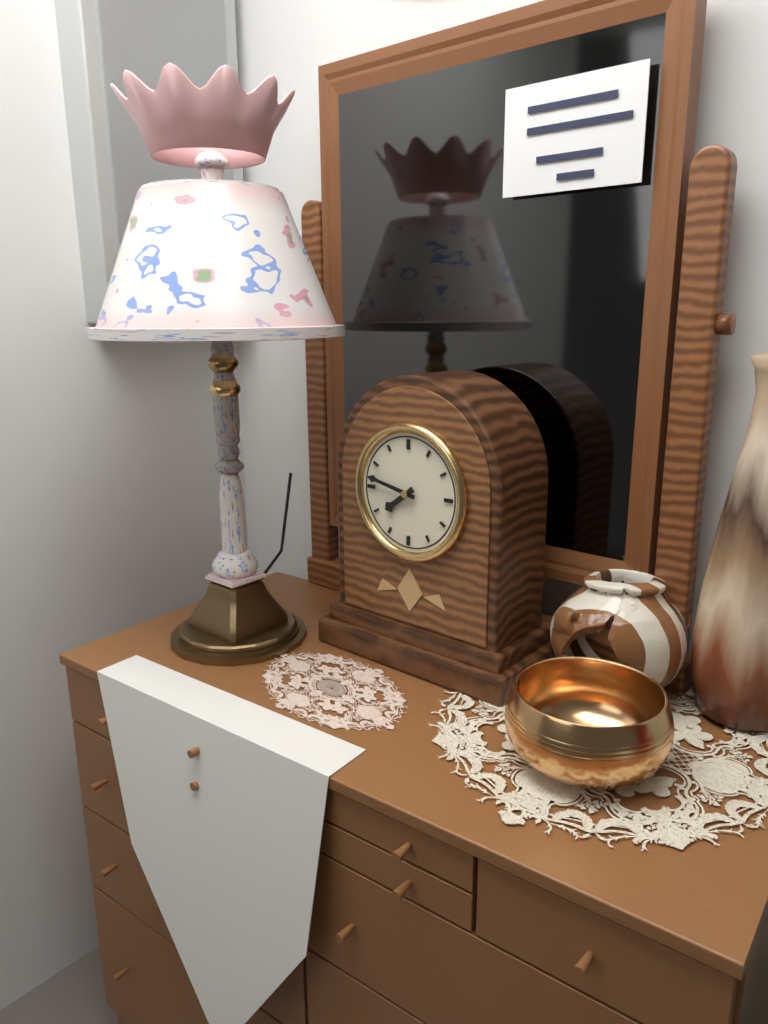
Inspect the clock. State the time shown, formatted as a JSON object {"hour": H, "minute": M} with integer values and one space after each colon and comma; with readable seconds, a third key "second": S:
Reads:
{"hour": 7, "minute": 47}
